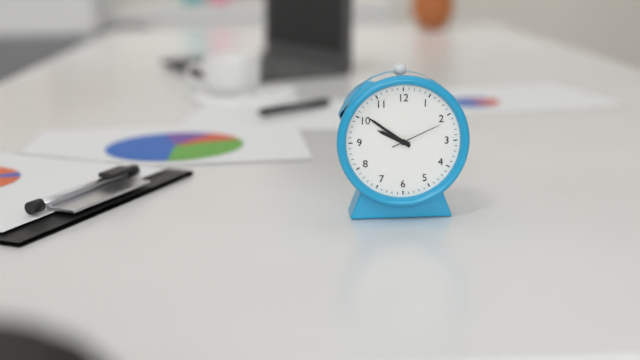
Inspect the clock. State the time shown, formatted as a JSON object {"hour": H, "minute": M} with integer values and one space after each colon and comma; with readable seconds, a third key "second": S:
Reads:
{"hour": 9, "minute": 51, "second": 11}
